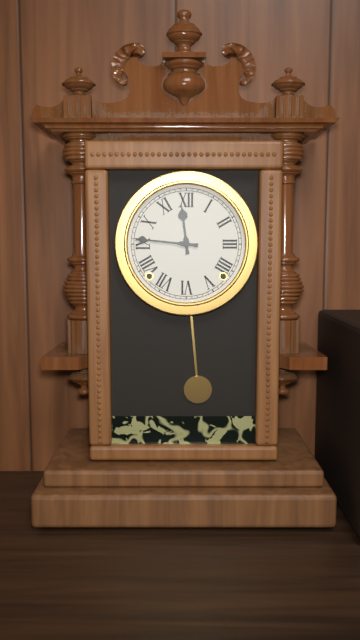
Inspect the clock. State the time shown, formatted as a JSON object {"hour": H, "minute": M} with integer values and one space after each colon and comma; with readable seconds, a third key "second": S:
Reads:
{"hour": 11, "minute": 46}
